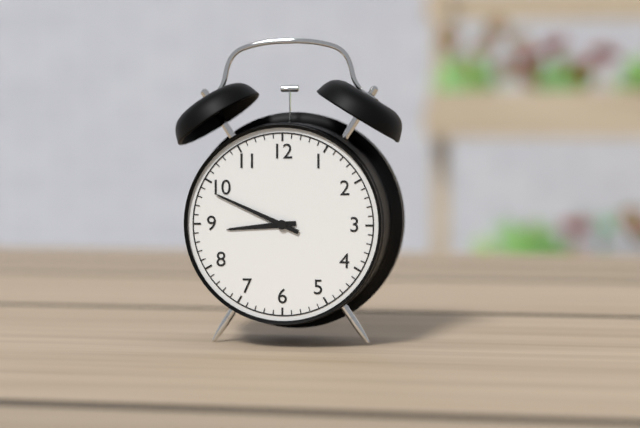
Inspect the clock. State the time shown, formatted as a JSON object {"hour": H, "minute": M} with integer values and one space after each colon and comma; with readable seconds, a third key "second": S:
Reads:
{"hour": 8, "minute": 49}
